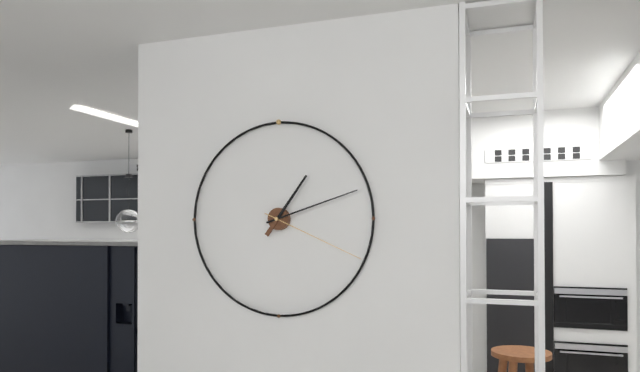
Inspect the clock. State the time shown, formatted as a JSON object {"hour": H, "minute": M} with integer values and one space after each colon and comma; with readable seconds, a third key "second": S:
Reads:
{"hour": 1, "minute": 12, "second": 19}
